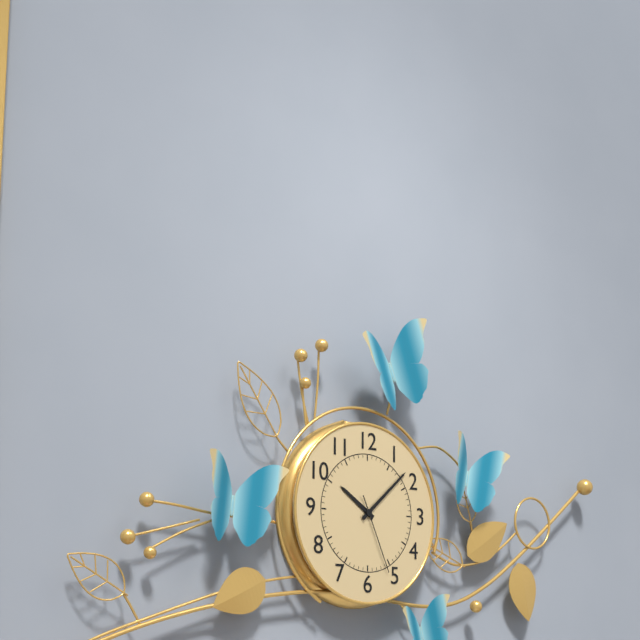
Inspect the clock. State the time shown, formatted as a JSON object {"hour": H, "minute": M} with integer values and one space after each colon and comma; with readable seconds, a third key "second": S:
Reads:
{"hour": 10, "minute": 8, "second": 26}
